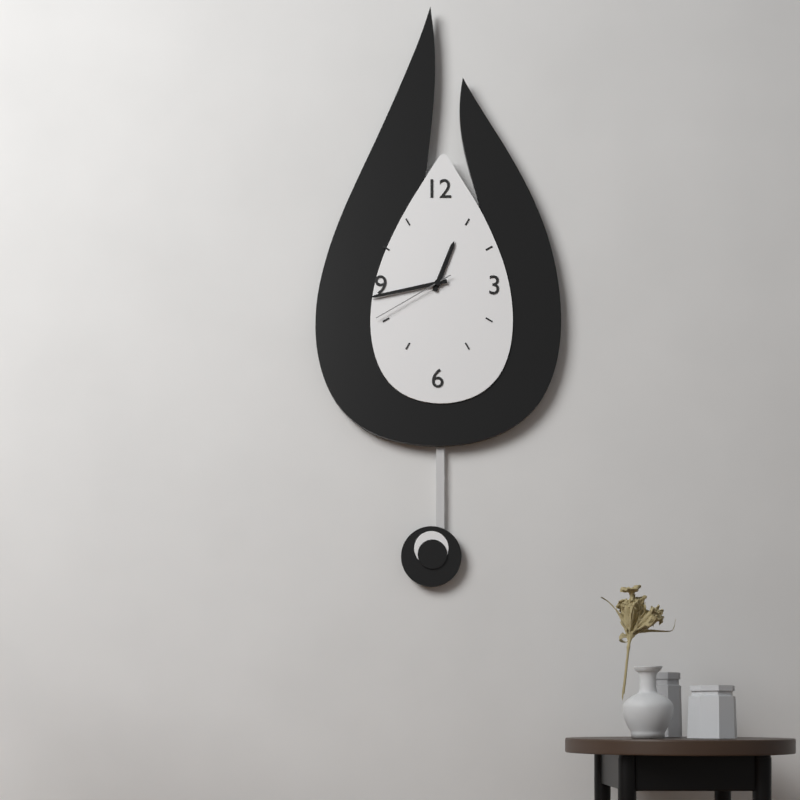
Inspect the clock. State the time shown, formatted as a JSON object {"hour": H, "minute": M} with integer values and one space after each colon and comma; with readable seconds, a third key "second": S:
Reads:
{"hour": 12, "minute": 43, "second": 40}
